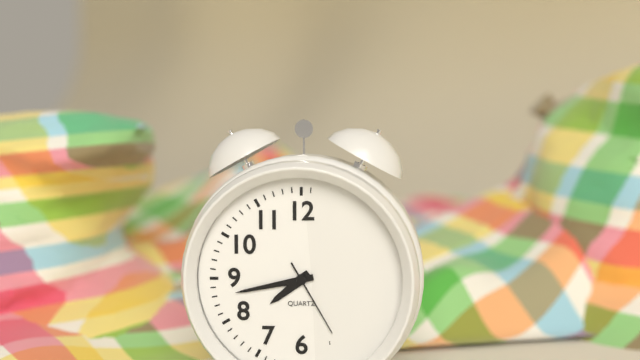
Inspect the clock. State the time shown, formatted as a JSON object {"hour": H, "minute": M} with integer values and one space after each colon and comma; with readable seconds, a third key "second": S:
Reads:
{"hour": 7, "minute": 43, "second": 25}
